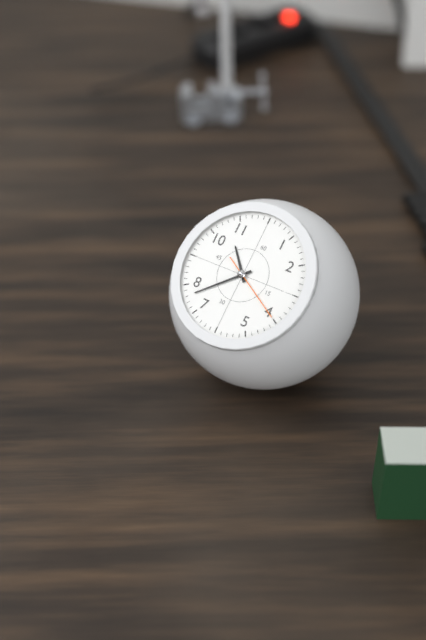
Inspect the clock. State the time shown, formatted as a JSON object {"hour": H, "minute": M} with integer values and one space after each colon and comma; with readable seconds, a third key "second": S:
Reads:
{"hour": 10, "minute": 38, "second": 20}
